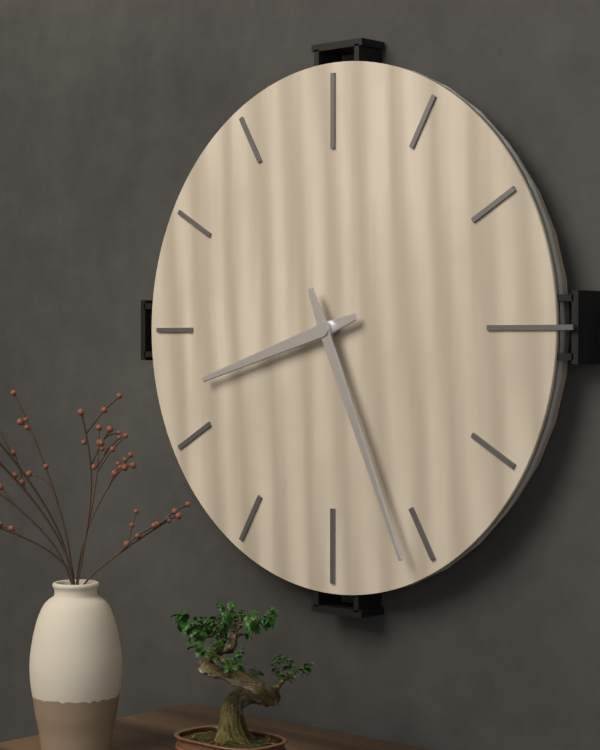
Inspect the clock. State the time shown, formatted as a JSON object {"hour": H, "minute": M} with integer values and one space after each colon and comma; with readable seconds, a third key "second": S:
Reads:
{"hour": 8, "minute": 26}
